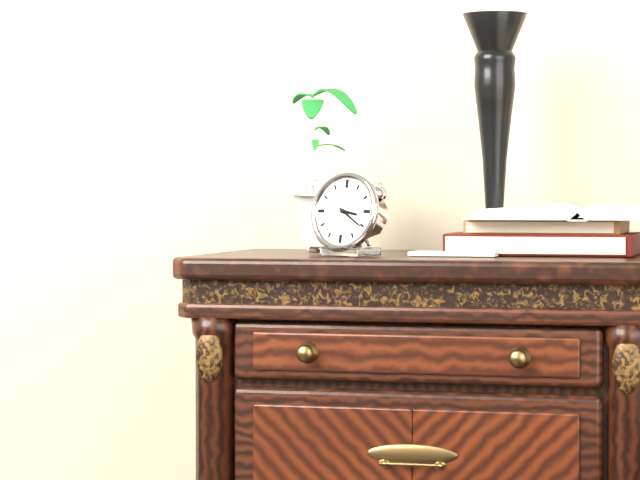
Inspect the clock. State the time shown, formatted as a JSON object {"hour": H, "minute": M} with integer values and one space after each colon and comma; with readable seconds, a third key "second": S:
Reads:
{"hour": 3, "minute": 20}
